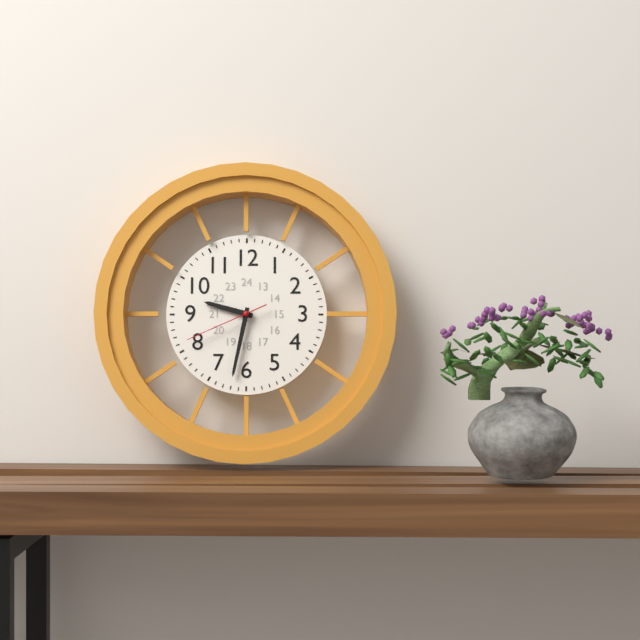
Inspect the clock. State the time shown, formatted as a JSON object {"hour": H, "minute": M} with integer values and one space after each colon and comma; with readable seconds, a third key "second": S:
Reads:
{"hour": 9, "minute": 32, "second": 41}
